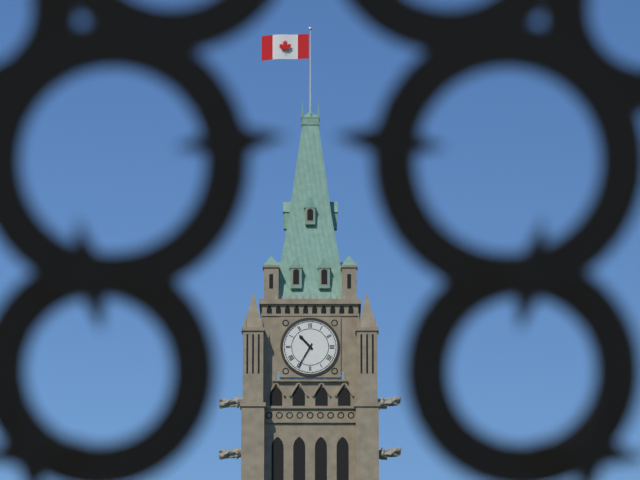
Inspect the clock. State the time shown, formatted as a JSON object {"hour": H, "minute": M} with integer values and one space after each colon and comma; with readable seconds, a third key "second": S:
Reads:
{"hour": 10, "minute": 35}
